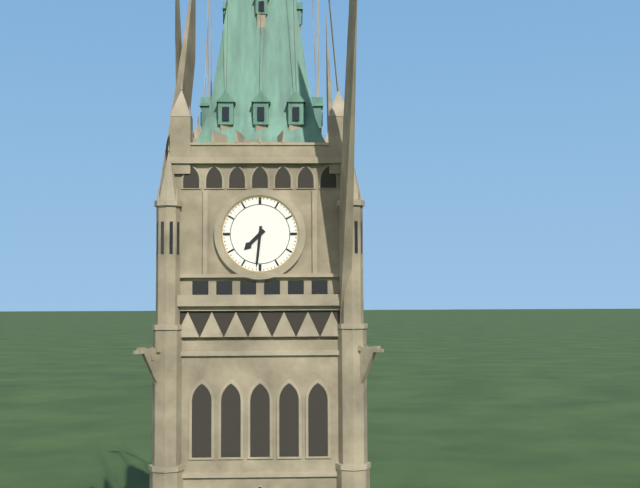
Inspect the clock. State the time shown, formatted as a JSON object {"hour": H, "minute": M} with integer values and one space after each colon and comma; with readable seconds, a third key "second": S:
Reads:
{"hour": 7, "minute": 31}
